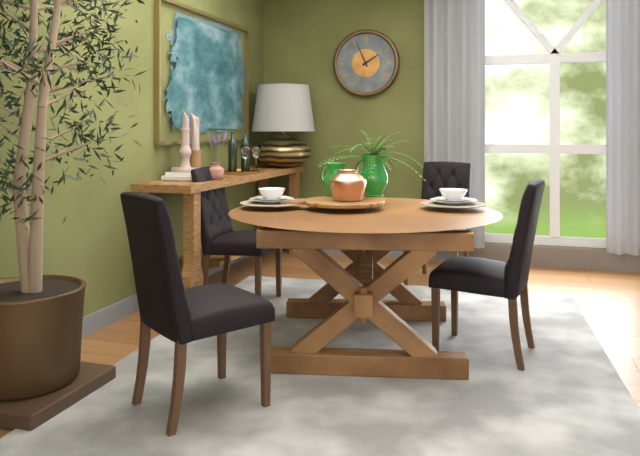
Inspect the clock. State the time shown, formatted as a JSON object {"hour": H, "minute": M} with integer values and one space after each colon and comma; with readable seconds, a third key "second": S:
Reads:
{"hour": 1, "minute": 56}
